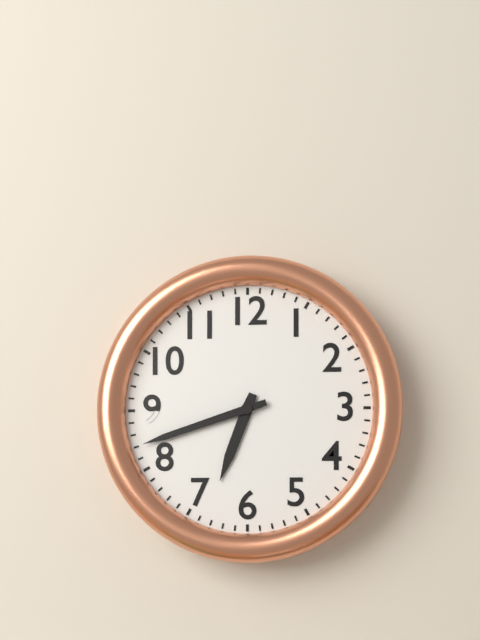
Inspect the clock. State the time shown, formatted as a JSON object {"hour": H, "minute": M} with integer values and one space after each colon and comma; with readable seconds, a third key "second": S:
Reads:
{"hour": 6, "minute": 42}
